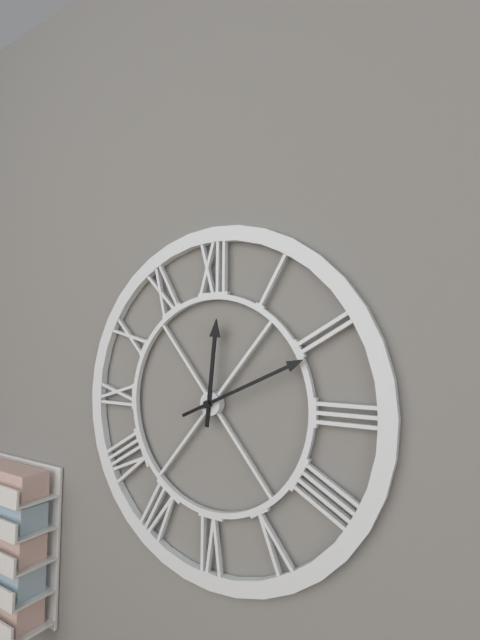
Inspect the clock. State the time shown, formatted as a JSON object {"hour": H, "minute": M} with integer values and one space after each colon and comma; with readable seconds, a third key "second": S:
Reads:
{"hour": 12, "minute": 11}
